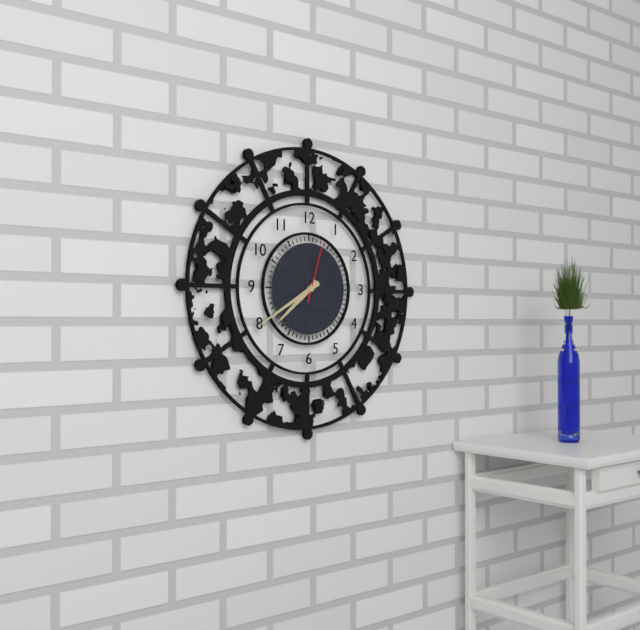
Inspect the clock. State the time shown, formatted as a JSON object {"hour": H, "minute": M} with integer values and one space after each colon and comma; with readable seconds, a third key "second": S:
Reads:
{"hour": 7, "minute": 40, "second": 3}
